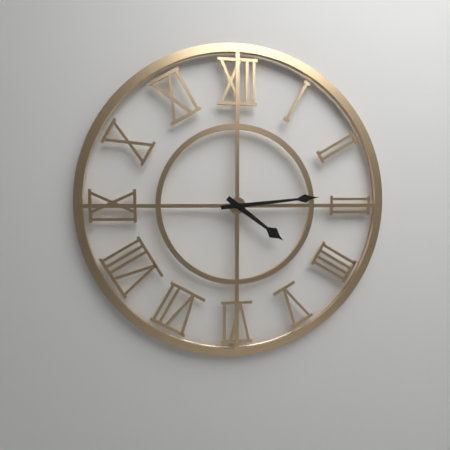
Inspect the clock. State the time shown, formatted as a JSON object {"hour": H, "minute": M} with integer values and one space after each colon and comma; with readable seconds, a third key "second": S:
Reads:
{"hour": 4, "minute": 14}
